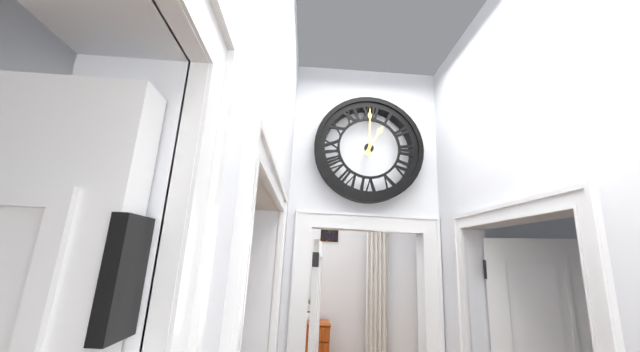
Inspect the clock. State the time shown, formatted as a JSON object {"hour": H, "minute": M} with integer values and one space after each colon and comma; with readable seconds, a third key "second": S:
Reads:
{"hour": 1, "minute": 0}
